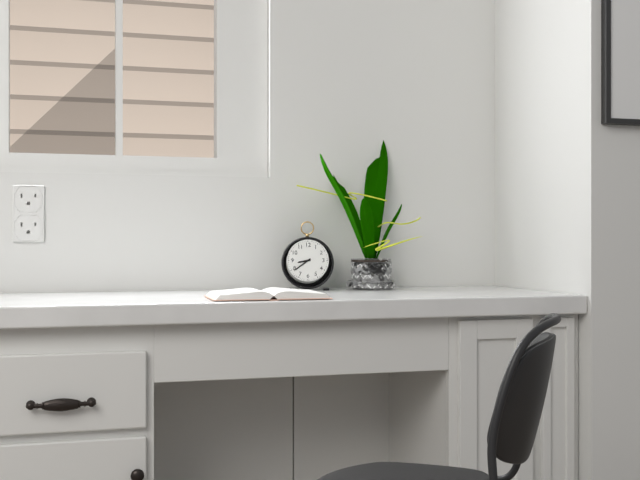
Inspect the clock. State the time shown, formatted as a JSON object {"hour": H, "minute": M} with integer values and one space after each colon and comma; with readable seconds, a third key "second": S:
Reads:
{"hour": 8, "minute": 39}
